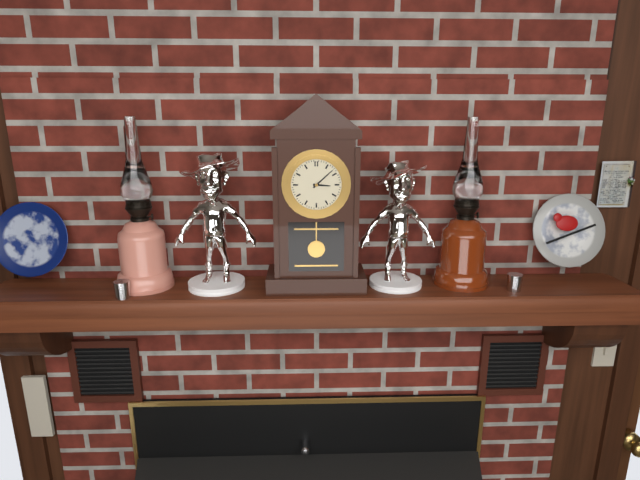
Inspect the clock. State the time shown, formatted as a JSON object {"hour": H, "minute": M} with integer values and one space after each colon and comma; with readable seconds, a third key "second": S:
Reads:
{"hour": 3, "minute": 8}
